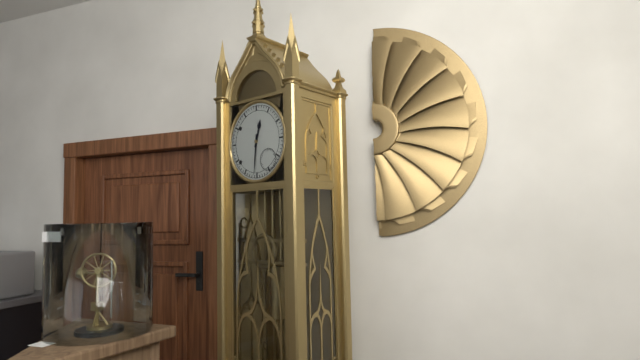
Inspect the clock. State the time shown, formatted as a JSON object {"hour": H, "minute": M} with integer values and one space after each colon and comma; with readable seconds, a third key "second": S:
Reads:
{"hour": 12, "minute": 31}
